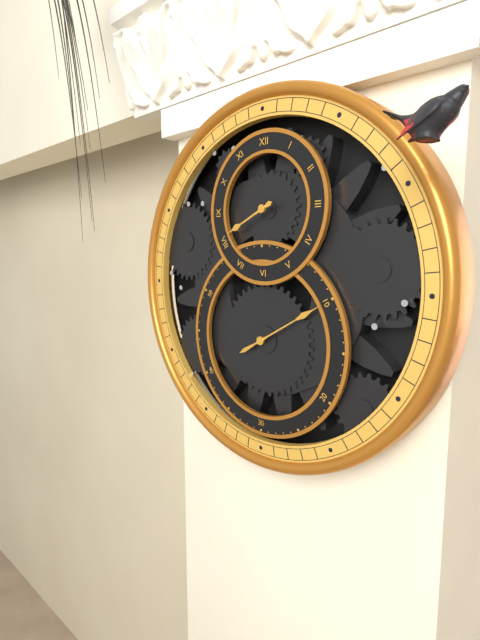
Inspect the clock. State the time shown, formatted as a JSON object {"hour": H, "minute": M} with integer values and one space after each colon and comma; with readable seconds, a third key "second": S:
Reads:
{"hour": 8, "minute": 10}
